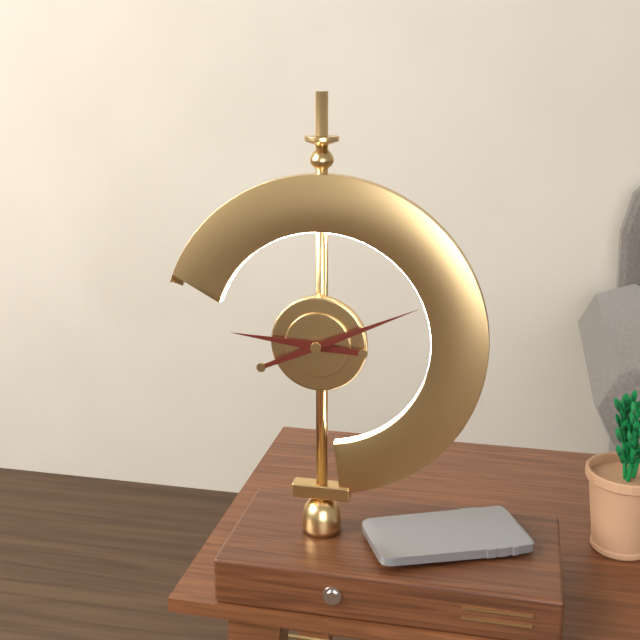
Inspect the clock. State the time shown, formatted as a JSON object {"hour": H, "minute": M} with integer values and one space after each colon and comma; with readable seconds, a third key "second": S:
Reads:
{"hour": 9, "minute": 11}
